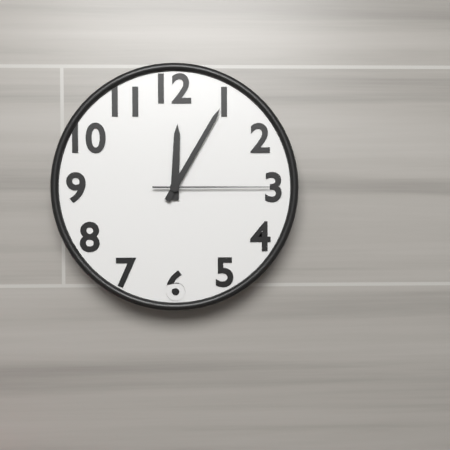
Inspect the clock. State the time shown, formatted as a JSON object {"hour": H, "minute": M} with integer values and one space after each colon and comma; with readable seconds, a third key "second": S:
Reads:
{"hour": 12, "minute": 5, "second": 15}
